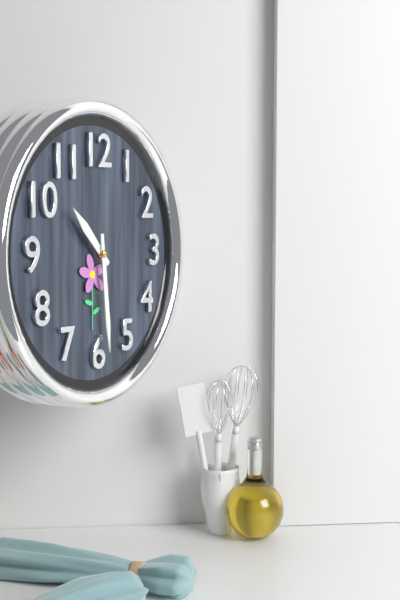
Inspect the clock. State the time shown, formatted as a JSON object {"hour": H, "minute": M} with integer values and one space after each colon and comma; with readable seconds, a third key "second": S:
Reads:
{"hour": 10, "minute": 29}
